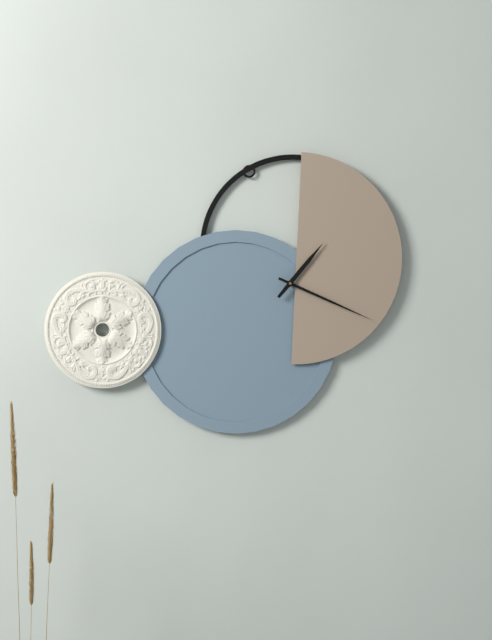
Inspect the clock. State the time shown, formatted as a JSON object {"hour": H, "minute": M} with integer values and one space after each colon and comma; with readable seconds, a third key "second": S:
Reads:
{"hour": 1, "minute": 19}
